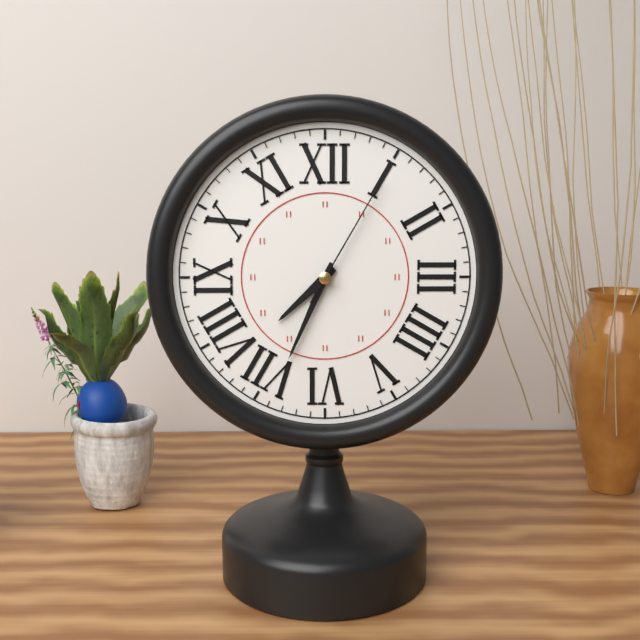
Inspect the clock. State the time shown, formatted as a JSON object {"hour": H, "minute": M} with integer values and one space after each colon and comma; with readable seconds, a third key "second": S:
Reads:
{"hour": 7, "minute": 34, "second": 5}
